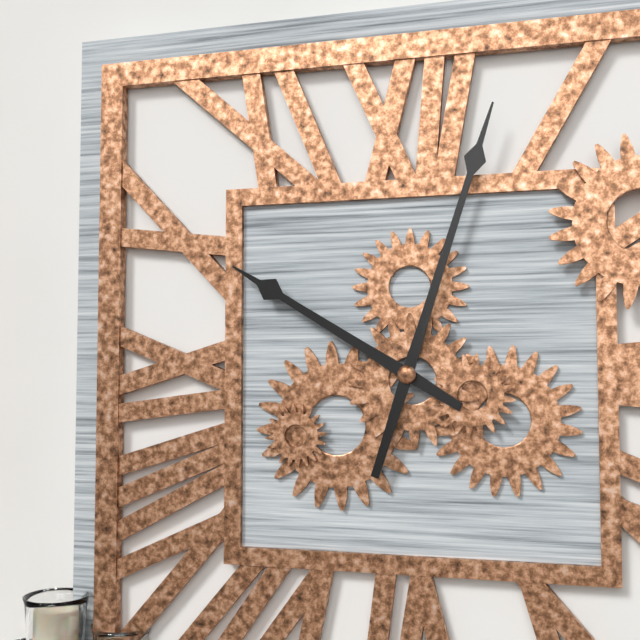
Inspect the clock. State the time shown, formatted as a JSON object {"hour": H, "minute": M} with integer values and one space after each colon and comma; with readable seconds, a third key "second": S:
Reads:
{"hour": 10, "minute": 3}
